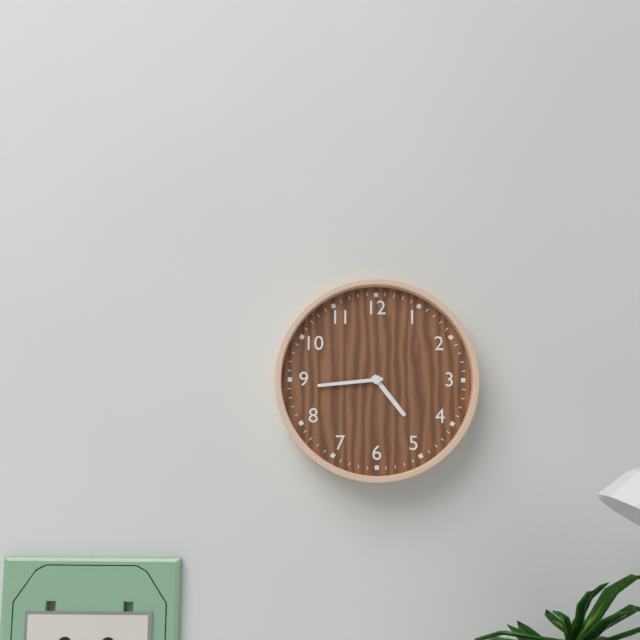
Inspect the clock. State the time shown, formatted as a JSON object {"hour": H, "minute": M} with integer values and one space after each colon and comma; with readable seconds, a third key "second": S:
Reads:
{"hour": 4, "minute": 44}
